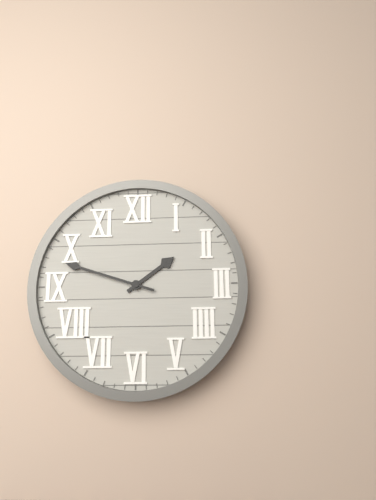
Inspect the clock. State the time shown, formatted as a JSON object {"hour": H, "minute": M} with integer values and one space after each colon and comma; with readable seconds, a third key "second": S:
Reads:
{"hour": 1, "minute": 48}
